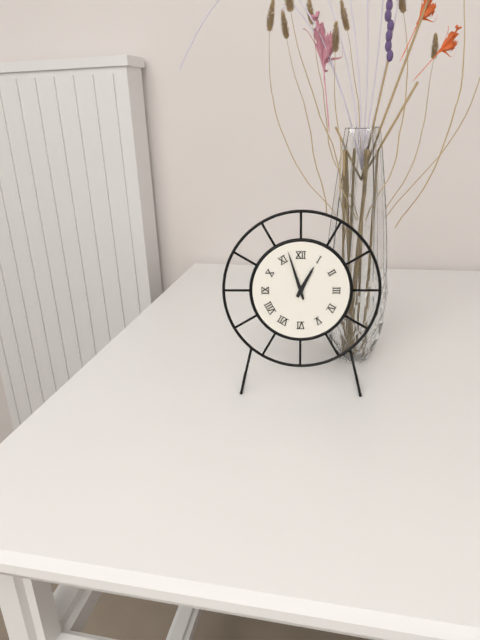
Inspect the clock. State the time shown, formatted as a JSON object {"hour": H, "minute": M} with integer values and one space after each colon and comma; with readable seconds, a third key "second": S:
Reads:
{"hour": 12, "minute": 57}
